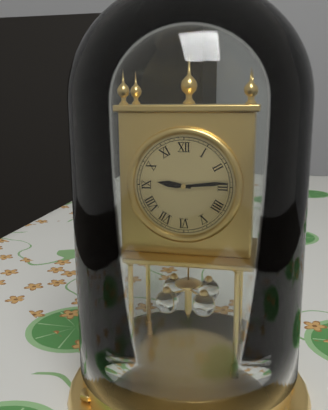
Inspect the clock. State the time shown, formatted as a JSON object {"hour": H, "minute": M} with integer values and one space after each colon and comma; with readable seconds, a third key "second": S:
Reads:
{"hour": 9, "minute": 14}
